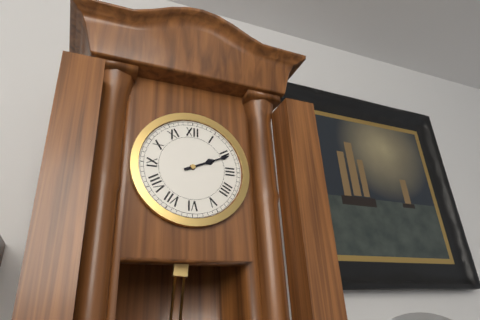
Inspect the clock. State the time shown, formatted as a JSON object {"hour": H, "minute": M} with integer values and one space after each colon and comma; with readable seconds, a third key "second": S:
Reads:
{"hour": 2, "minute": 11}
